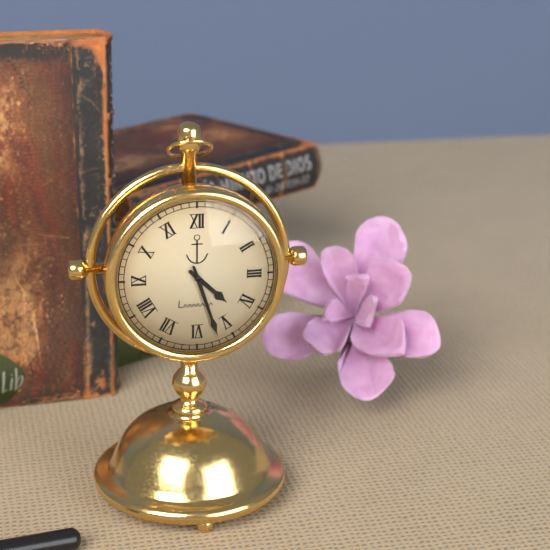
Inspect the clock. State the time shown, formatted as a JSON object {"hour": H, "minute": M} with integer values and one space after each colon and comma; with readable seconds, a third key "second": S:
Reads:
{"hour": 4, "minute": 27}
